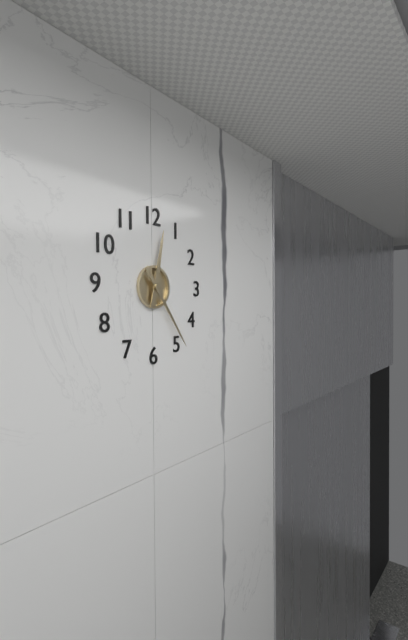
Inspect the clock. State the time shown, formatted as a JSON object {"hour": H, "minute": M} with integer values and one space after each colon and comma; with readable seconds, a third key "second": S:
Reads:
{"hour": 12, "minute": 24}
